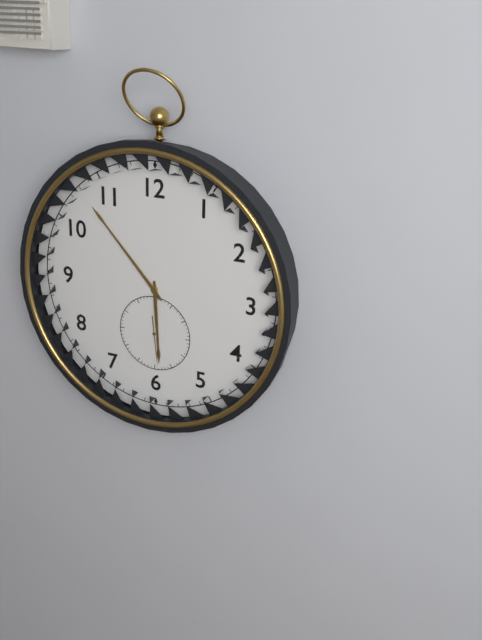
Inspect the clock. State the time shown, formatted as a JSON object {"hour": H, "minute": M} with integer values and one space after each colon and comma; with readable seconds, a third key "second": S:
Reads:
{"hour": 5, "minute": 53}
